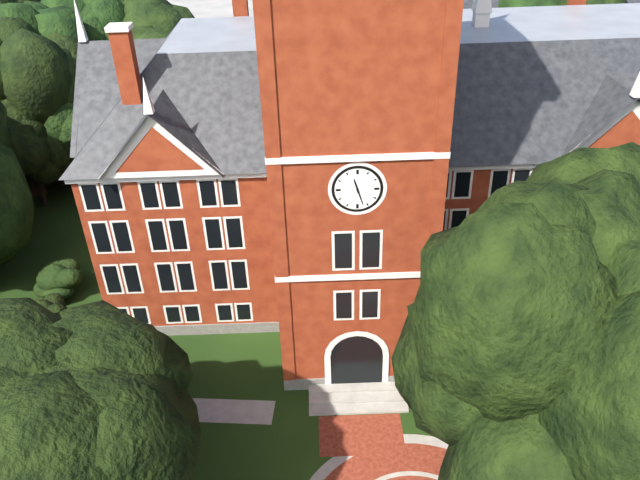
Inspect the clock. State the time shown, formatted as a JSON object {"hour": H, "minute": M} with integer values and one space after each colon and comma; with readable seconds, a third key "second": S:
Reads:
{"hour": 11, "minute": 27}
